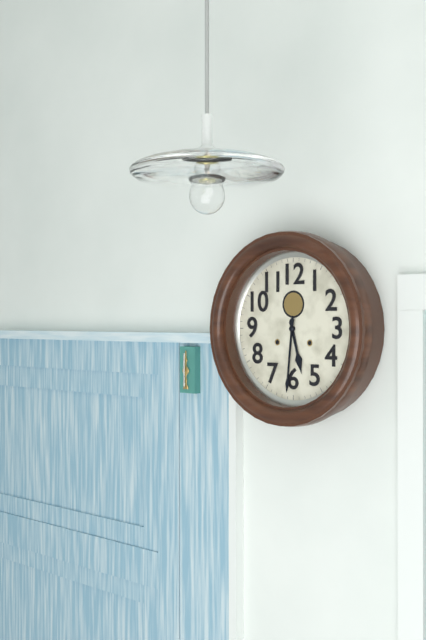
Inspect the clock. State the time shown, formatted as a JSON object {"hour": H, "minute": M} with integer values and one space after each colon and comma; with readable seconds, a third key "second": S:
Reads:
{"hour": 5, "minute": 31}
